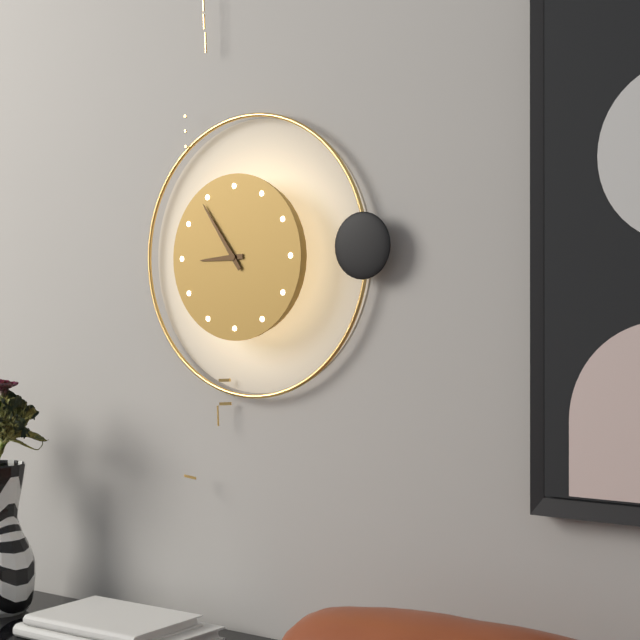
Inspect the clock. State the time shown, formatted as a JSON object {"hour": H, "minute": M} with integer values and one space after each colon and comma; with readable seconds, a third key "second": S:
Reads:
{"hour": 8, "minute": 54}
